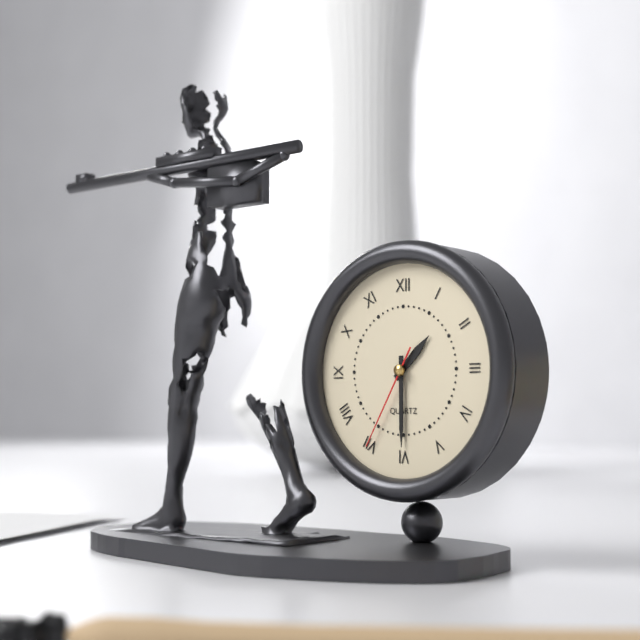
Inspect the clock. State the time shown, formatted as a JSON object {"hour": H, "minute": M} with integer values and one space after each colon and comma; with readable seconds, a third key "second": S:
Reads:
{"hour": 1, "minute": 30, "second": 35}
